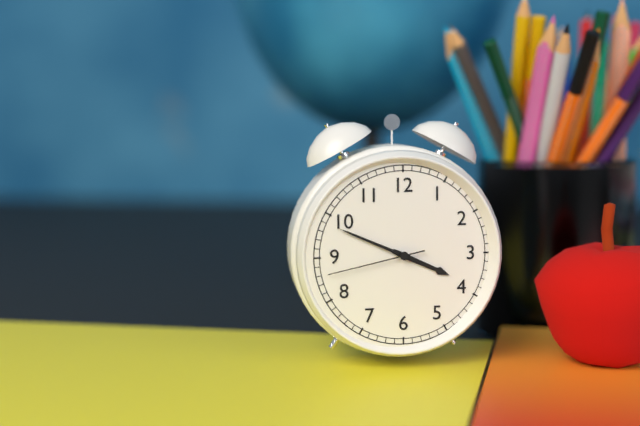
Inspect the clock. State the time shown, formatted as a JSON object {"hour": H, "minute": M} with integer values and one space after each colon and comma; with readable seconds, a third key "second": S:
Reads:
{"hour": 3, "minute": 49, "second": 43}
